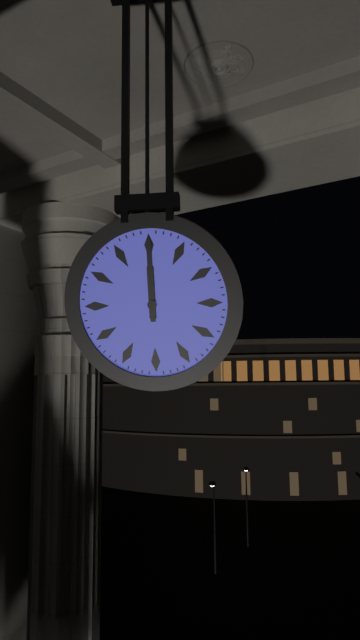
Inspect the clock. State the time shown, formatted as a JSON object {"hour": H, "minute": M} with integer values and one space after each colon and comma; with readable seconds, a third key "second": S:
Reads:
{"hour": 12, "minute": 0}
